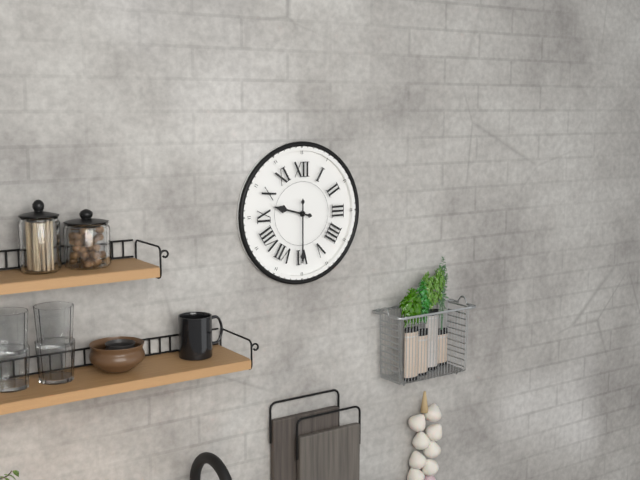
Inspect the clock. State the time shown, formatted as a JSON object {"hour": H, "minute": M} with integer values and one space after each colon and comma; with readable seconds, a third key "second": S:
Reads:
{"hour": 9, "minute": 30}
